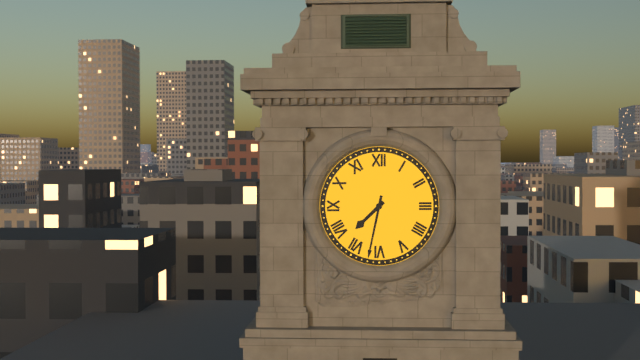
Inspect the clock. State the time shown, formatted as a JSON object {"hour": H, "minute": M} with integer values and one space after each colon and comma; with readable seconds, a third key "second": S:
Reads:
{"hour": 7, "minute": 32}
